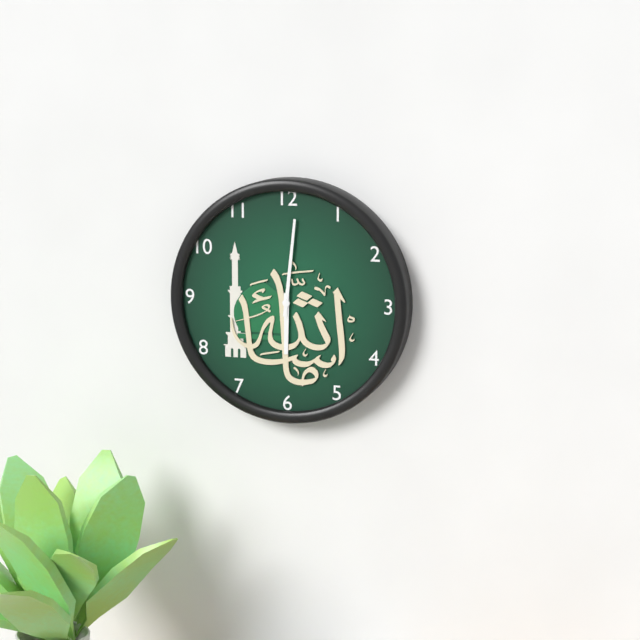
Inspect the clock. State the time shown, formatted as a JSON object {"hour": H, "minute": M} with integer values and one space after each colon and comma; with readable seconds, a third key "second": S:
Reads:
{"hour": 6, "minute": 1}
